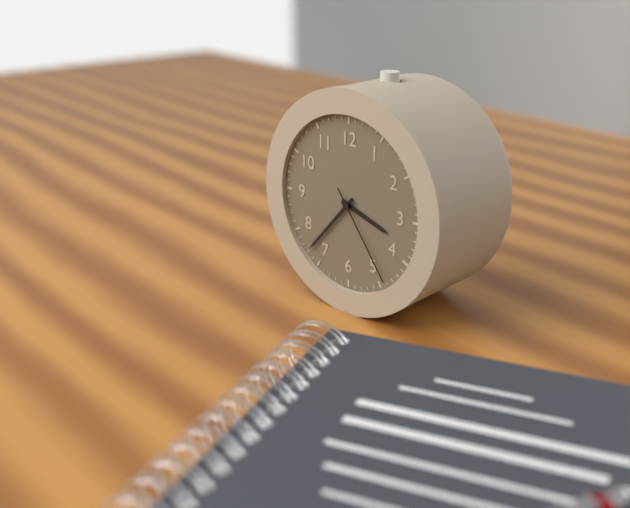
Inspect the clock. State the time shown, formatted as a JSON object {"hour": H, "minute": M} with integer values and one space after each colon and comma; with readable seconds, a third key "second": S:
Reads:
{"hour": 3, "minute": 37, "second": 24}
